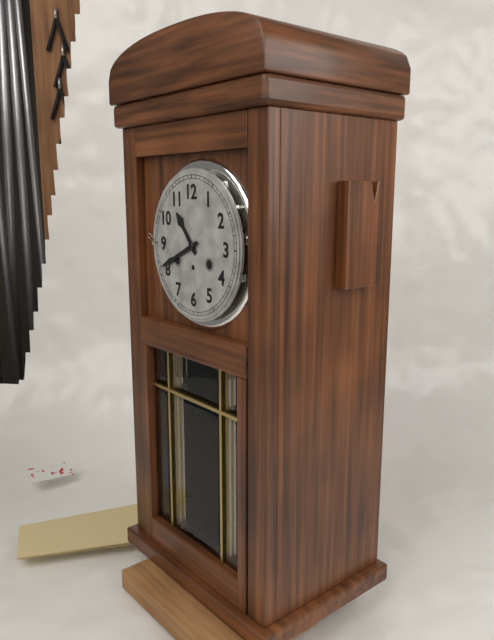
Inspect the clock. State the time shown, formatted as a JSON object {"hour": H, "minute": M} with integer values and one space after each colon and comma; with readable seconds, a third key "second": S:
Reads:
{"hour": 10, "minute": 41}
